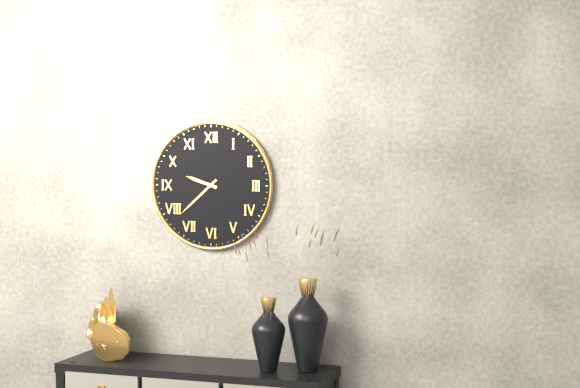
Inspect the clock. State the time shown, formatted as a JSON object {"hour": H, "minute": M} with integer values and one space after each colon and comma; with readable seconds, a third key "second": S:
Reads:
{"hour": 9, "minute": 38}
